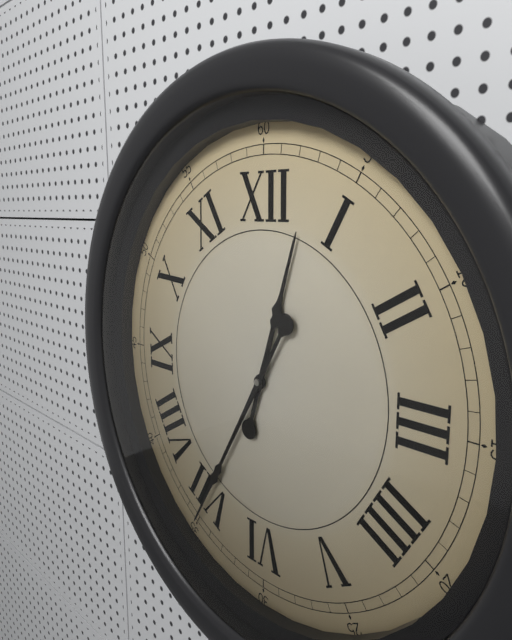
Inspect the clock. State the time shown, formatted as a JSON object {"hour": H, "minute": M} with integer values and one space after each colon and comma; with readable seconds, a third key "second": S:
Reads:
{"hour": 12, "minute": 35}
